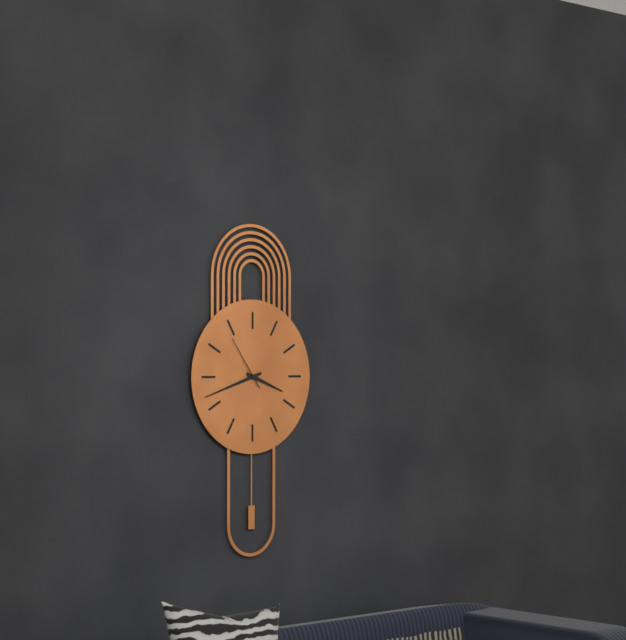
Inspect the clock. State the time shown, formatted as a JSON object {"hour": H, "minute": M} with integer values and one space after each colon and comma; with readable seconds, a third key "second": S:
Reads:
{"hour": 3, "minute": 42, "second": 54}
